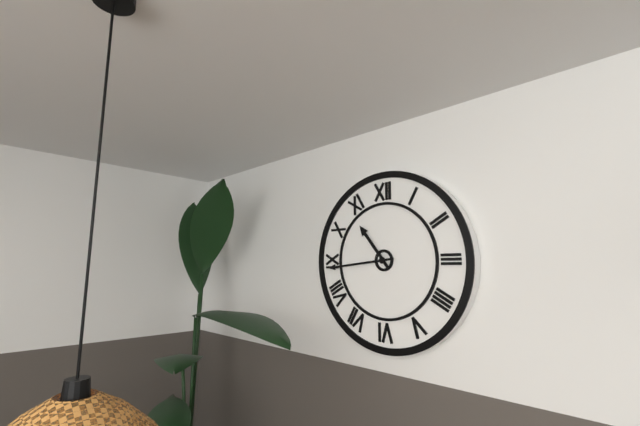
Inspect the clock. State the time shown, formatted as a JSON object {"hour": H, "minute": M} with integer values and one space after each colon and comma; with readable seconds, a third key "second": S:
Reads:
{"hour": 10, "minute": 44}
